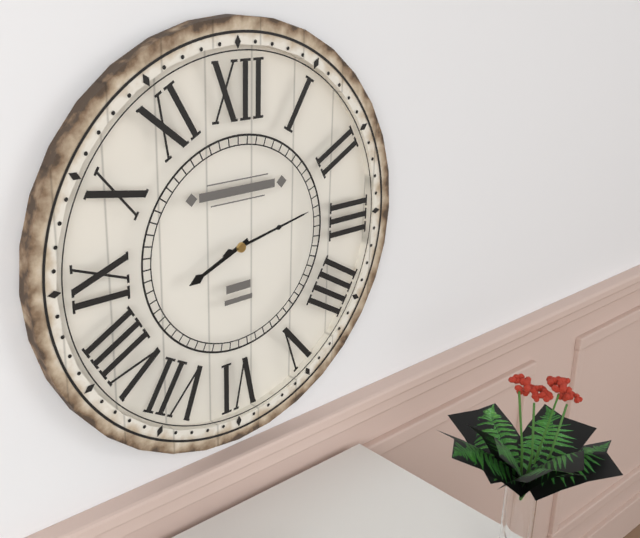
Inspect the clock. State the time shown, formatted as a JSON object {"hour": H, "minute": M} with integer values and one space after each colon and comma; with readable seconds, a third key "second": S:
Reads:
{"hour": 8, "minute": 13}
